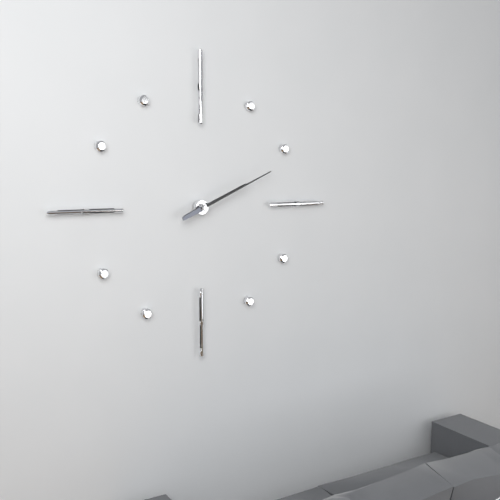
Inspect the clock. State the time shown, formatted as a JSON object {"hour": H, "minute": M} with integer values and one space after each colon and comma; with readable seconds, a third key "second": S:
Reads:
{"hour": 2, "minute": 11}
